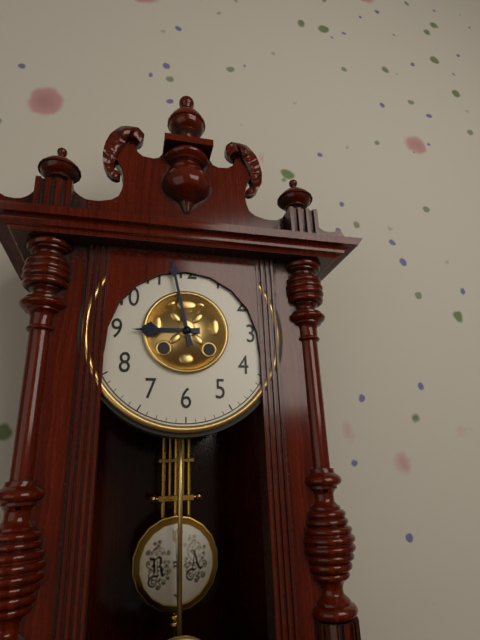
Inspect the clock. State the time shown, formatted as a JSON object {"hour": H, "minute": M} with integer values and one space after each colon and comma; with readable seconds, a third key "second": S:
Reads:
{"hour": 8, "minute": 58}
